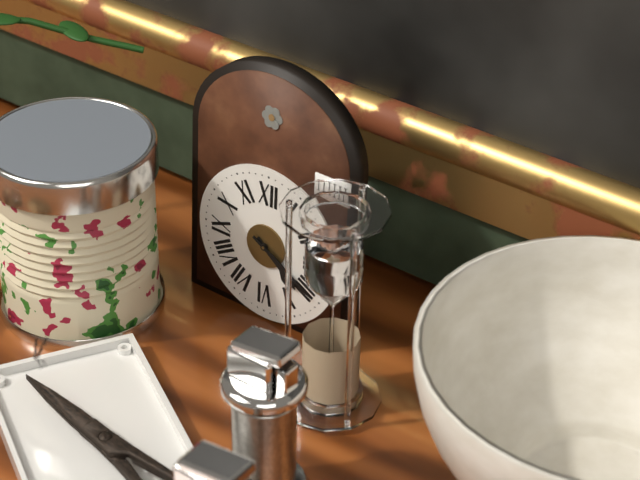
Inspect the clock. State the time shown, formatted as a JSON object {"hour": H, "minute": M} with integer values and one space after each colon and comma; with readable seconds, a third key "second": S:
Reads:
{"hour": 4, "minute": 20}
